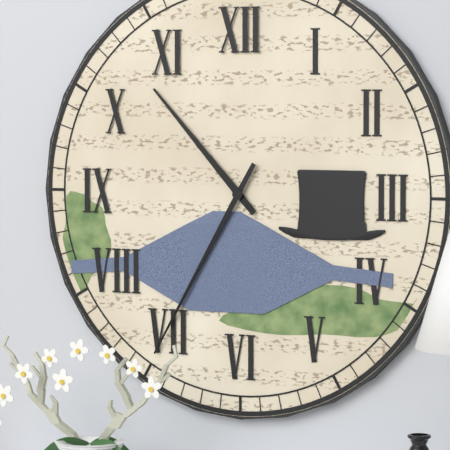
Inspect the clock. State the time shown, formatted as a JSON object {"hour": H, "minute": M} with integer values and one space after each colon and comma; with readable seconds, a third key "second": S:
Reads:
{"hour": 10, "minute": 35}
